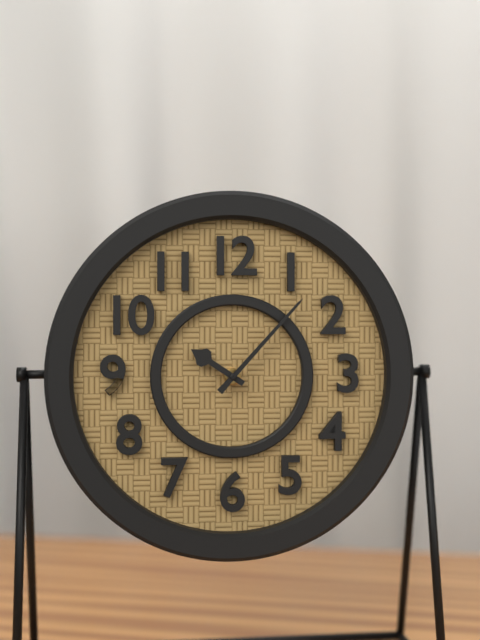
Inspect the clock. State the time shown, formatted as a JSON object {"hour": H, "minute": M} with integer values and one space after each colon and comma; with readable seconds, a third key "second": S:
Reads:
{"hour": 10, "minute": 7}
